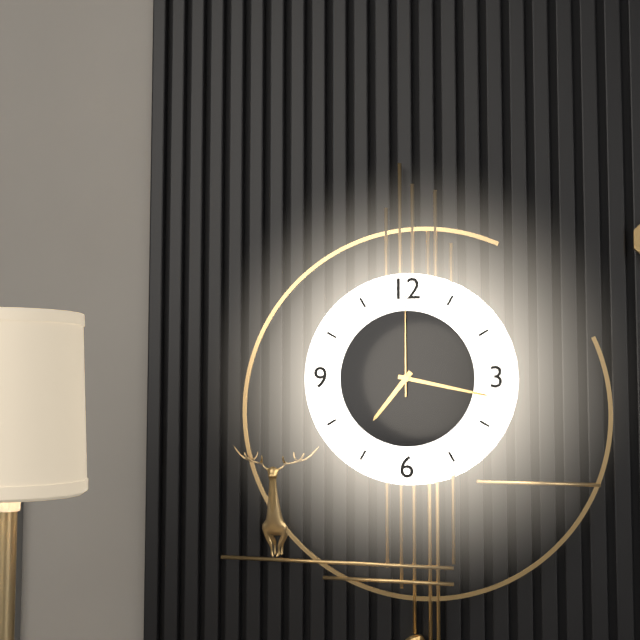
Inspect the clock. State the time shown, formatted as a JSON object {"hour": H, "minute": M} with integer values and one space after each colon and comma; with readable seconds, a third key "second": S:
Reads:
{"hour": 7, "minute": 17, "second": 0}
